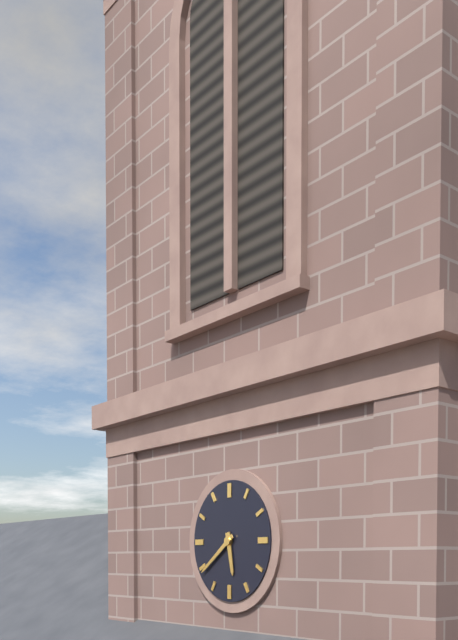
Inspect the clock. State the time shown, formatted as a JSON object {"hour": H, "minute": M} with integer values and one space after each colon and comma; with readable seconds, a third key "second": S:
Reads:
{"hour": 5, "minute": 39}
